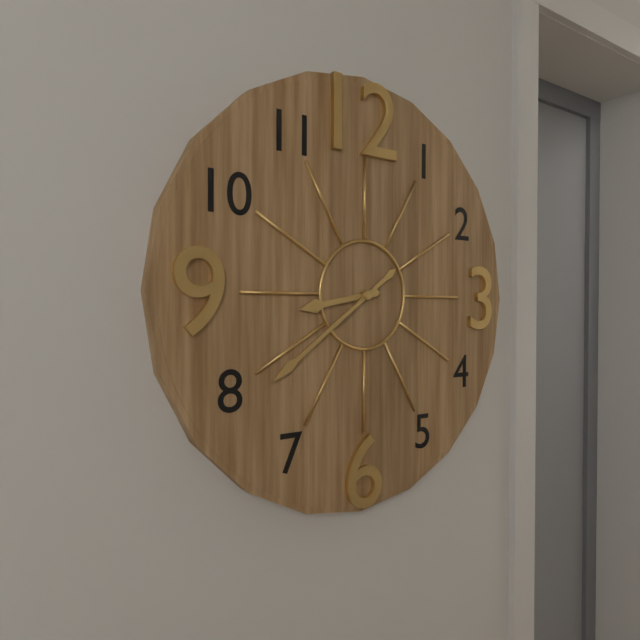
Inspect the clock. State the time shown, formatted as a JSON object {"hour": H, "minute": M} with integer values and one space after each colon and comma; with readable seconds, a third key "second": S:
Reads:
{"hour": 8, "minute": 39}
